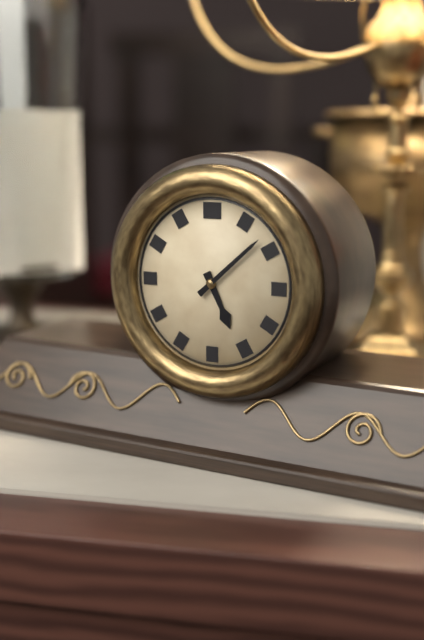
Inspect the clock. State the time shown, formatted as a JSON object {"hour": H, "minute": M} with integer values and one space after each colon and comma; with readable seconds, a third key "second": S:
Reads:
{"hour": 5, "minute": 8}
